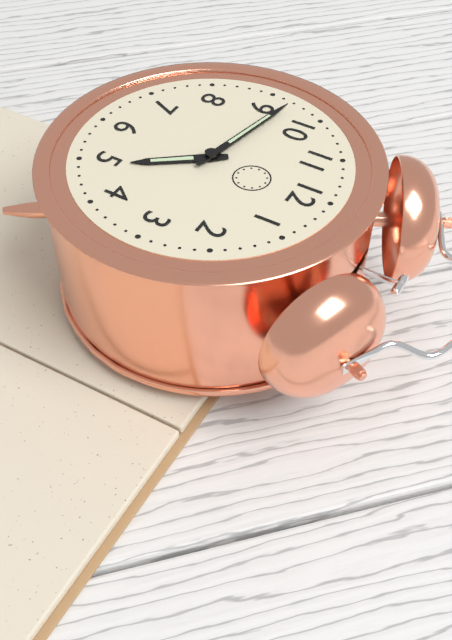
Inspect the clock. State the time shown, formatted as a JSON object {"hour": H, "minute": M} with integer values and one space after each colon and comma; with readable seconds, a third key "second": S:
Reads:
{"hour": 4, "minute": 47}
